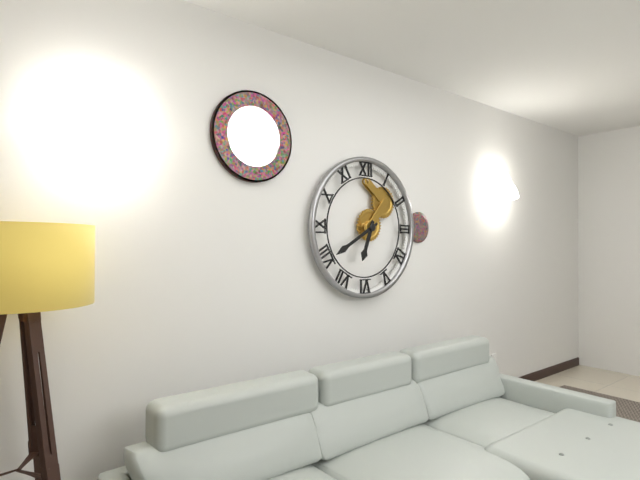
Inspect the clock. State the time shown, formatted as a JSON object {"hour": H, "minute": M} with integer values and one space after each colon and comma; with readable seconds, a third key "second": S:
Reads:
{"hour": 6, "minute": 40}
